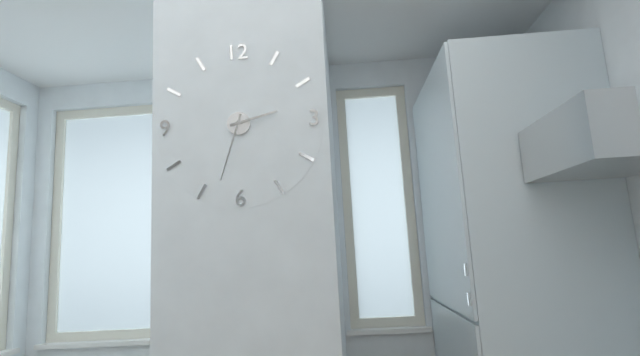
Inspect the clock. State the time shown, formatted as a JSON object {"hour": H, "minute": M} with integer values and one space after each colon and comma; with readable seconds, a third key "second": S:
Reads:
{"hour": 2, "minute": 33}
